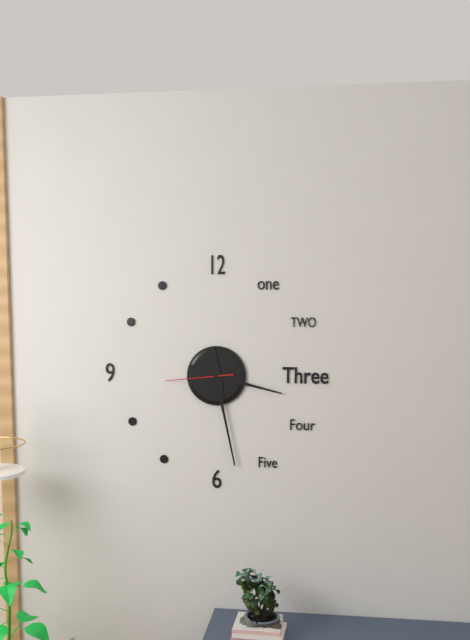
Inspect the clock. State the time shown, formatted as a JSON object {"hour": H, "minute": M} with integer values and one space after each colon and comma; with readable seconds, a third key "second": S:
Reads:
{"hour": 3, "minute": 28, "second": 44}
